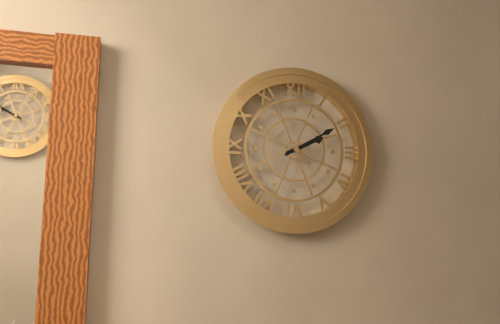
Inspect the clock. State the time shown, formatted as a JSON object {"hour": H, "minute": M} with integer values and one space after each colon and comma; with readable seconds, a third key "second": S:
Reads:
{"hour": 2, "minute": 10}
